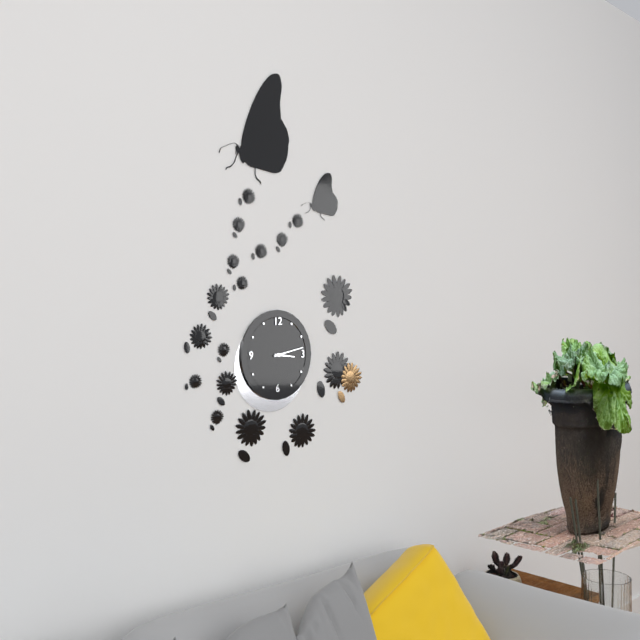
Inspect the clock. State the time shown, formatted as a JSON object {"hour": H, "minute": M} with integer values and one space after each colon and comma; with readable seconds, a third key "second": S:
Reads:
{"hour": 3, "minute": 13}
